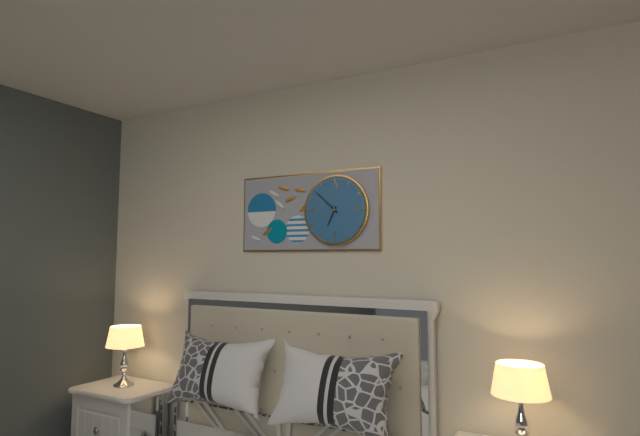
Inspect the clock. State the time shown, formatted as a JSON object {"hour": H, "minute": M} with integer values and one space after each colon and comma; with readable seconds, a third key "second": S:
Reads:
{"hour": 6, "minute": 52}
